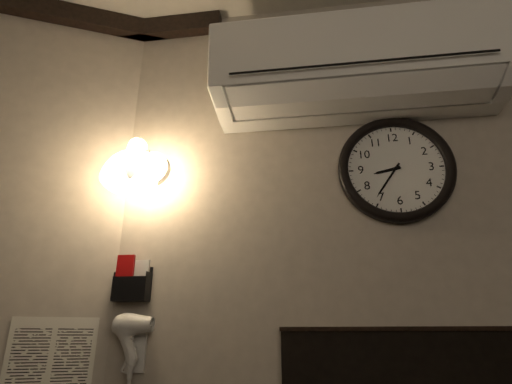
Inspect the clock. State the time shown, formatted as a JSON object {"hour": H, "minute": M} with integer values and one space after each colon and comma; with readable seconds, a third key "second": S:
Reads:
{"hour": 8, "minute": 36}
